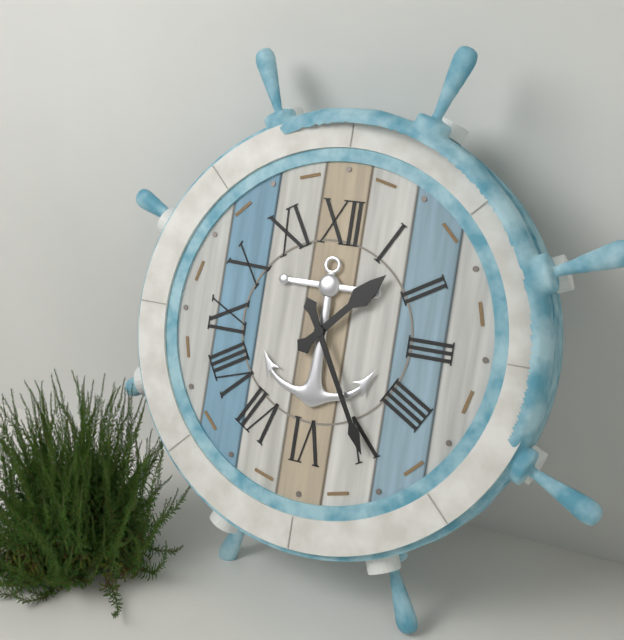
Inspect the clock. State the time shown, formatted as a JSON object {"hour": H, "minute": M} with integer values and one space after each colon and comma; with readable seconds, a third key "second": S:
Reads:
{"hour": 1, "minute": 25}
